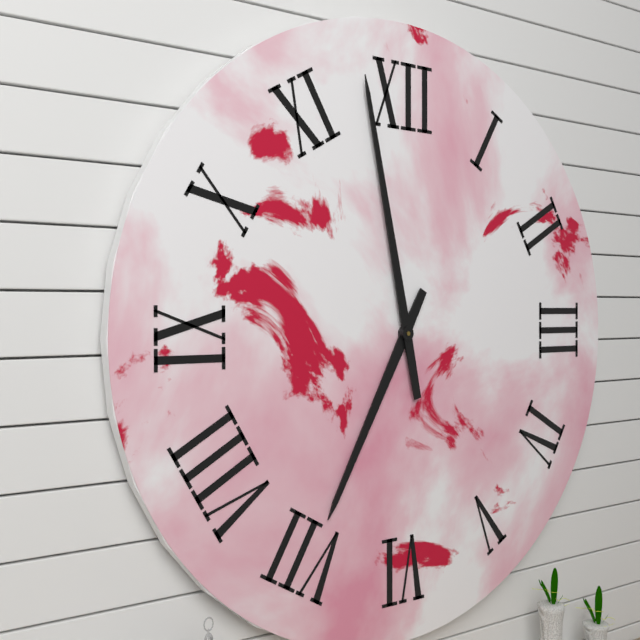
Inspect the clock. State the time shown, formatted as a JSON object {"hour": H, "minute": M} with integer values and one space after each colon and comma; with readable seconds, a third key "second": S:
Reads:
{"hour": 6, "minute": 58}
